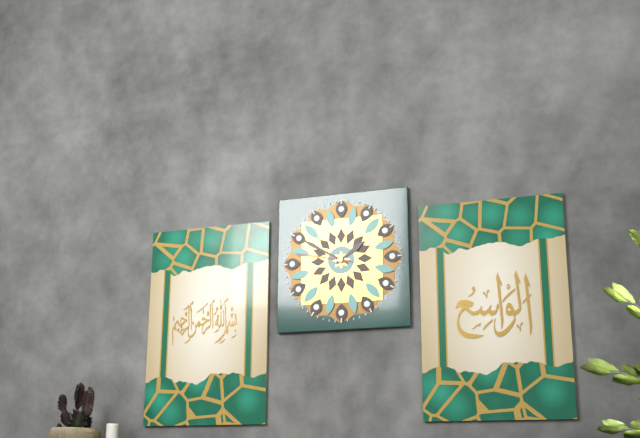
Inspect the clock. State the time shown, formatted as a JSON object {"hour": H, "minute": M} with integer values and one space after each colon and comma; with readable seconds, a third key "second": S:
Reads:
{"hour": 1, "minute": 50, "second": 47}
